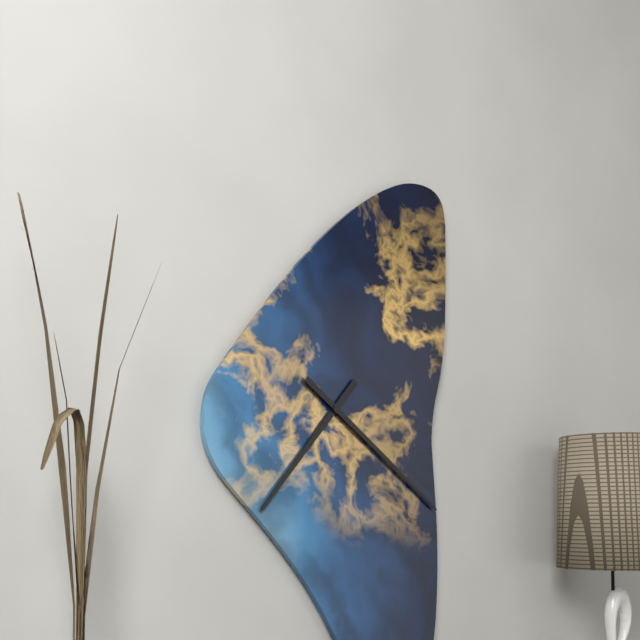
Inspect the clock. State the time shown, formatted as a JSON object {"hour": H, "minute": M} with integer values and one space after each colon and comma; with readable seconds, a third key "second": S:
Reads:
{"hour": 7, "minute": 21}
